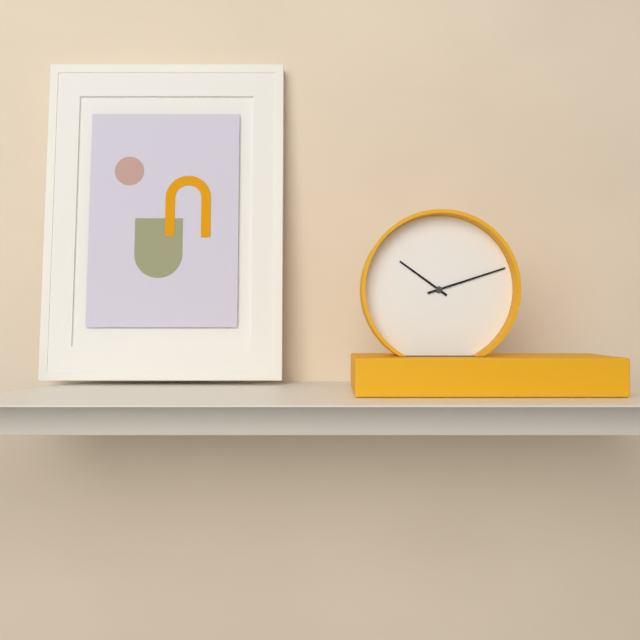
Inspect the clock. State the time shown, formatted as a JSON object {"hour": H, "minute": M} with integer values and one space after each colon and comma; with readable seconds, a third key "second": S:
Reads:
{"hour": 10, "minute": 12}
